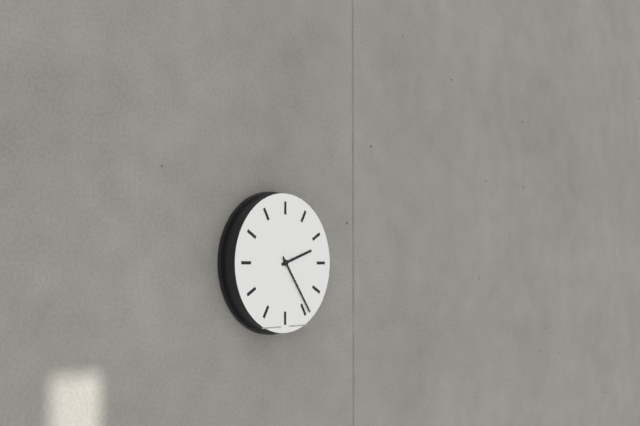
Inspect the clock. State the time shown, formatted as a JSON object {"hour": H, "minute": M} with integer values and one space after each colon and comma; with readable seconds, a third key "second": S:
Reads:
{"hour": 2, "minute": 24}
